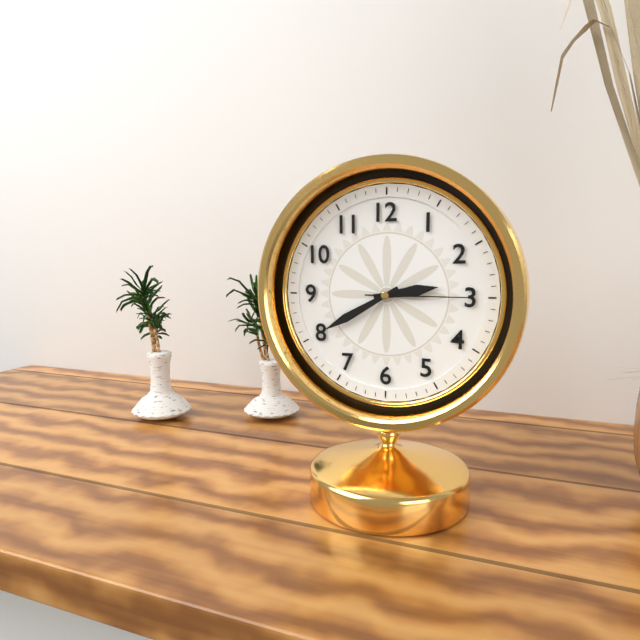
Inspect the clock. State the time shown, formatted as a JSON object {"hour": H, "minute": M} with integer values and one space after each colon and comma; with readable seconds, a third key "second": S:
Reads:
{"hour": 2, "minute": 40, "second": 15}
